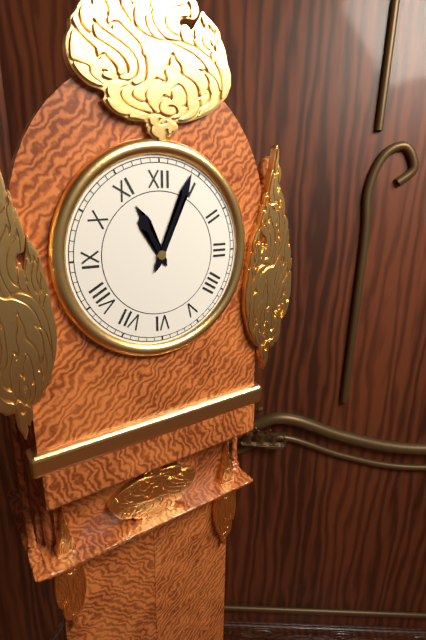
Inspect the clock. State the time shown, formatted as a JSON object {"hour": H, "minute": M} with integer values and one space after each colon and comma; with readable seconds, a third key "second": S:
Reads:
{"hour": 11, "minute": 4}
